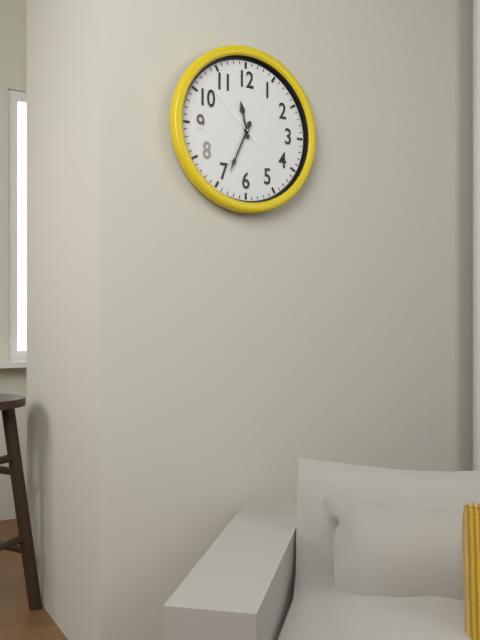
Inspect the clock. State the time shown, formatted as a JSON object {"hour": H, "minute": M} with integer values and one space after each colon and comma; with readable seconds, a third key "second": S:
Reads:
{"hour": 11, "minute": 34, "second": 52}
